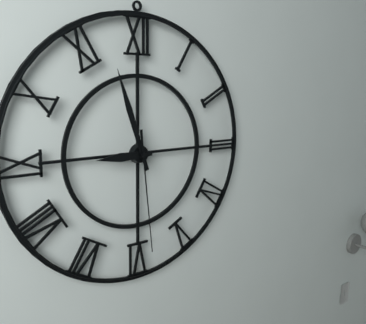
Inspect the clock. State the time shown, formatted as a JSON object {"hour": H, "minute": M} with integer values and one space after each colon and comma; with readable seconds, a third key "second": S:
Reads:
{"hour": 8, "minute": 57, "second": 29}
